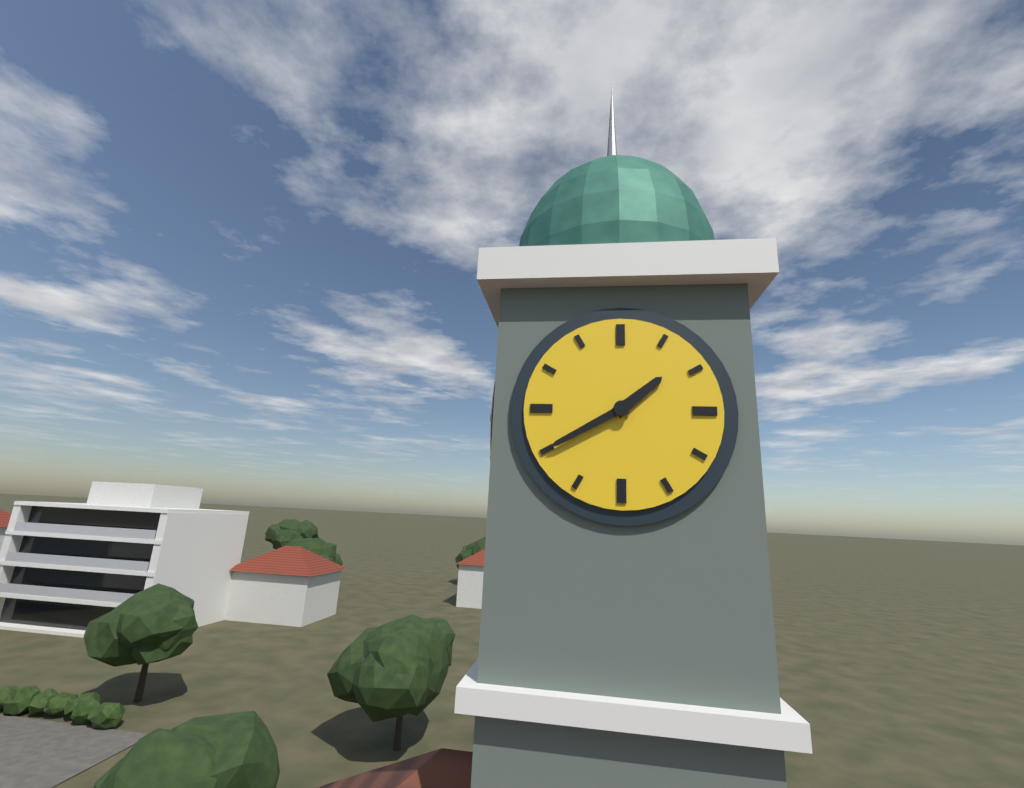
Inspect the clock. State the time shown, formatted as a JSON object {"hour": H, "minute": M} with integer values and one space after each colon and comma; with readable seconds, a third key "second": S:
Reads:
{"hour": 1, "minute": 40}
